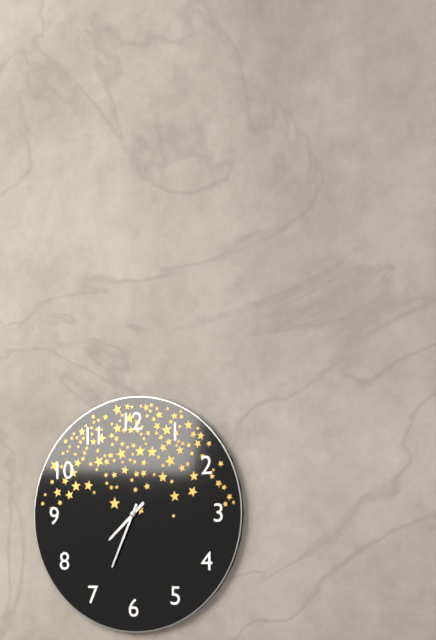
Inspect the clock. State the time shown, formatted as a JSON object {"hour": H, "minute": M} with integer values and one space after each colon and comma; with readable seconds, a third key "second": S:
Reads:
{"hour": 7, "minute": 34}
